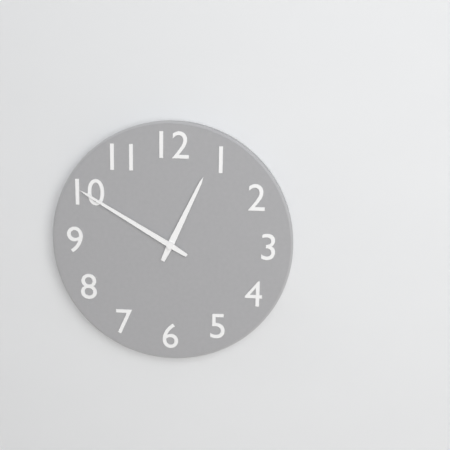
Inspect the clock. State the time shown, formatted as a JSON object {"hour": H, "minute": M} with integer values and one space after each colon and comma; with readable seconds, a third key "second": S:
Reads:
{"hour": 12, "minute": 50}
